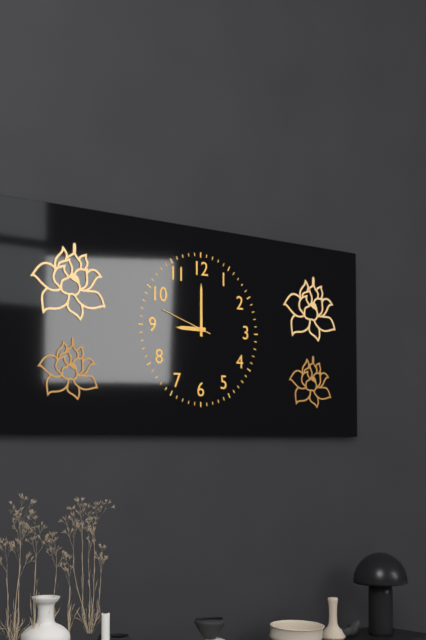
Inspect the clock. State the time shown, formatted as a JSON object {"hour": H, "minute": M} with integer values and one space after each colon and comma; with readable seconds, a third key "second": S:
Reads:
{"hour": 9, "minute": 0, "second": 48}
